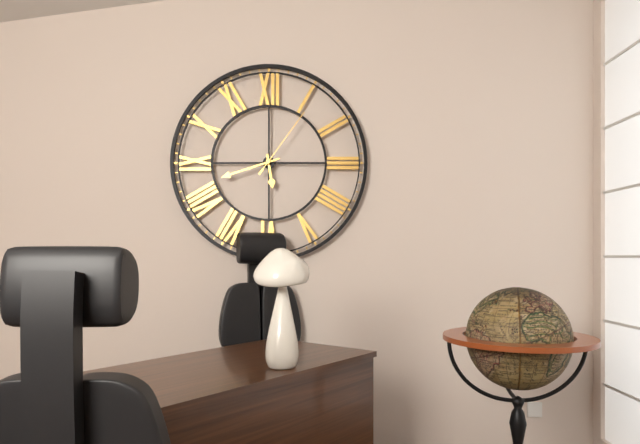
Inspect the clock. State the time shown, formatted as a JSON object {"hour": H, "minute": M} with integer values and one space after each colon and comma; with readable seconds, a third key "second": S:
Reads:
{"hour": 5, "minute": 42, "second": 6}
